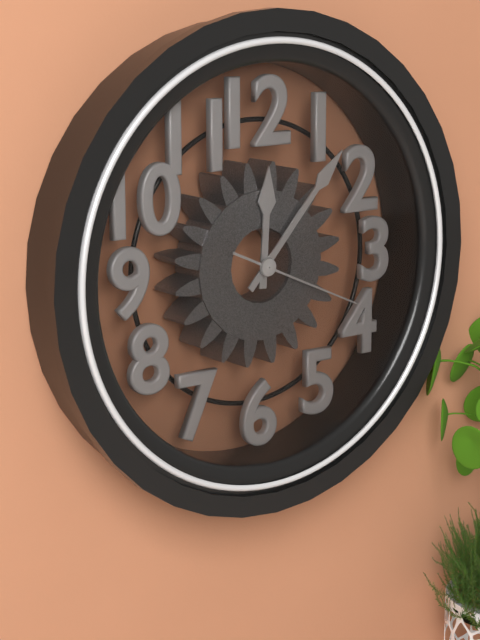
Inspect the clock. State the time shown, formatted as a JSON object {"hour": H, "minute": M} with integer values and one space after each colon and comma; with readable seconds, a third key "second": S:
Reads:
{"hour": 12, "minute": 7, "second": 19}
